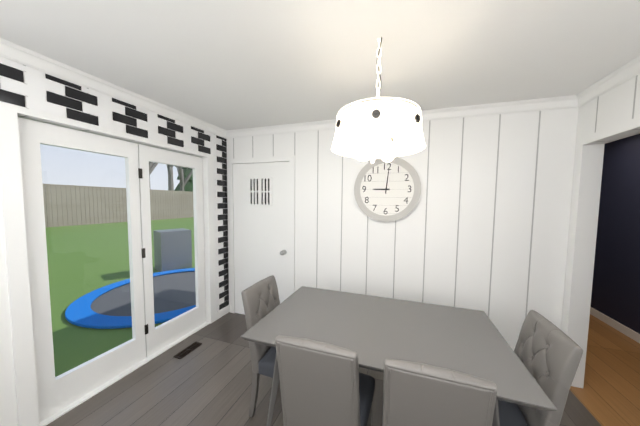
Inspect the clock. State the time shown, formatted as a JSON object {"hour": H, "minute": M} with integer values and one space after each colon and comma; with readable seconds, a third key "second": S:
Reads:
{"hour": 9, "minute": 1}
